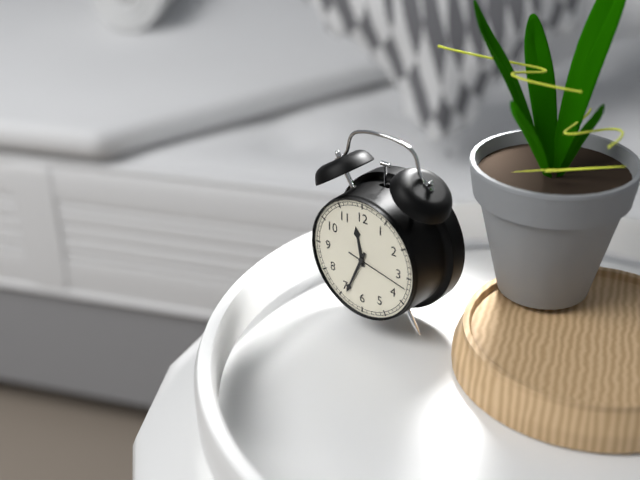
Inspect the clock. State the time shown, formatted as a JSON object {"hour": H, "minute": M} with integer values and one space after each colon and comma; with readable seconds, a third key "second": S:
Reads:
{"hour": 11, "minute": 34, "second": 17}
